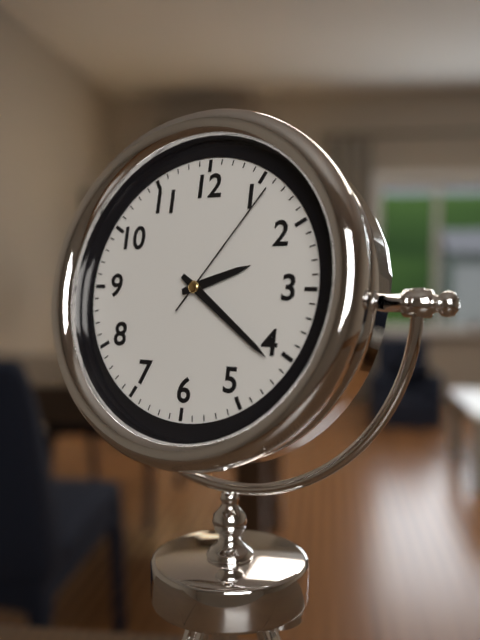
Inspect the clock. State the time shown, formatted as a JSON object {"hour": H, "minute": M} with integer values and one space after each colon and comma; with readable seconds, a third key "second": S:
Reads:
{"hour": 2, "minute": 21, "second": 6}
